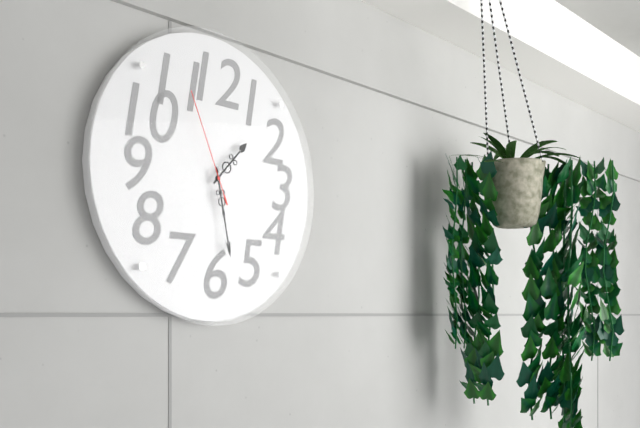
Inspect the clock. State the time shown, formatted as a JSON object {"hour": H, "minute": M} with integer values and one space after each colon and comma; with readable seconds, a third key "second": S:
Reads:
{"hour": 1, "minute": 28, "second": 56}
